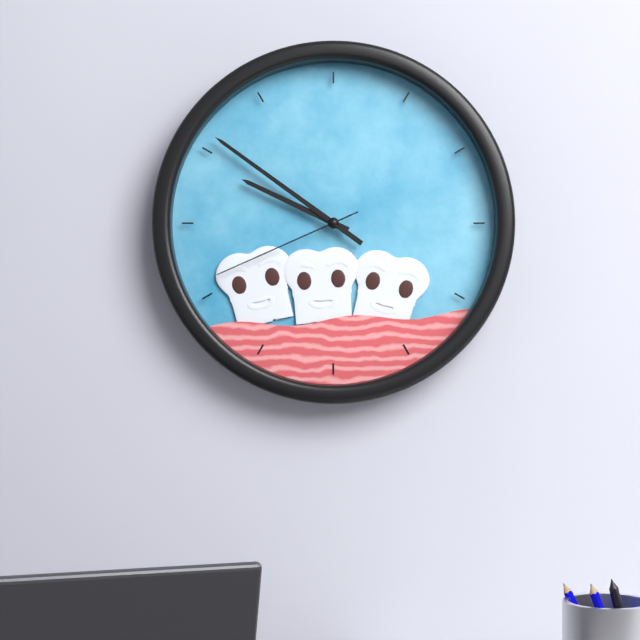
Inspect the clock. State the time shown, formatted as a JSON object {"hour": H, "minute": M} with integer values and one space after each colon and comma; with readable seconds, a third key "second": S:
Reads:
{"hour": 9, "minute": 51, "second": 41}
